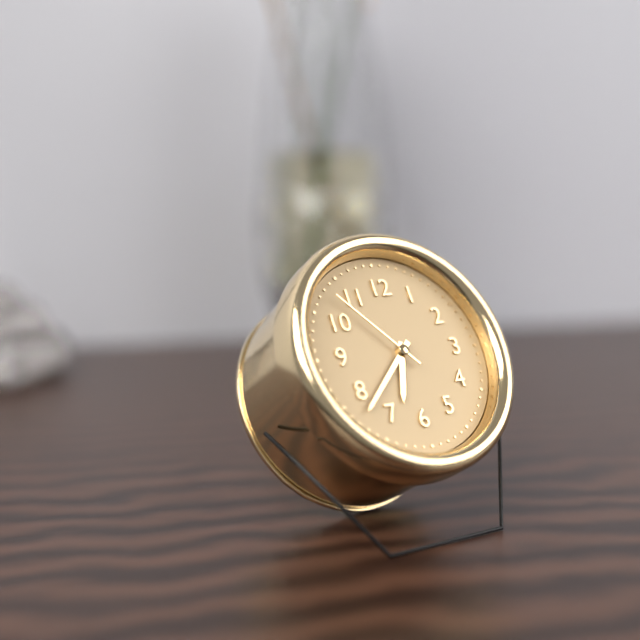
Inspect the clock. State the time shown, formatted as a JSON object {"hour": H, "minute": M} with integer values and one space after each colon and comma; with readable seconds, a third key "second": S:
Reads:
{"hour": 6, "minute": 38, "second": 53}
